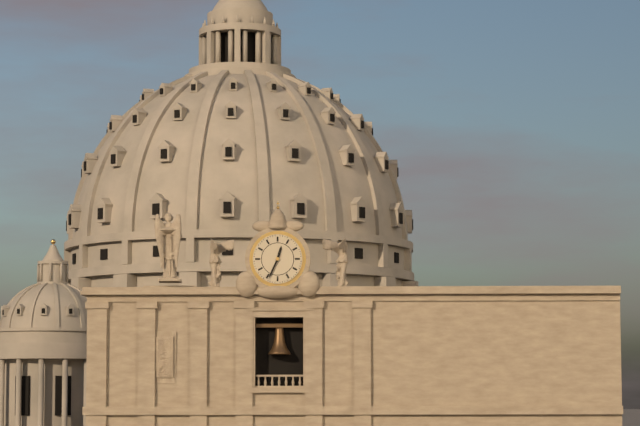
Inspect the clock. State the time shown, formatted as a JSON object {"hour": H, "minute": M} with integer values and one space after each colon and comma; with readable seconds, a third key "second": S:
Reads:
{"hour": 12, "minute": 34}
